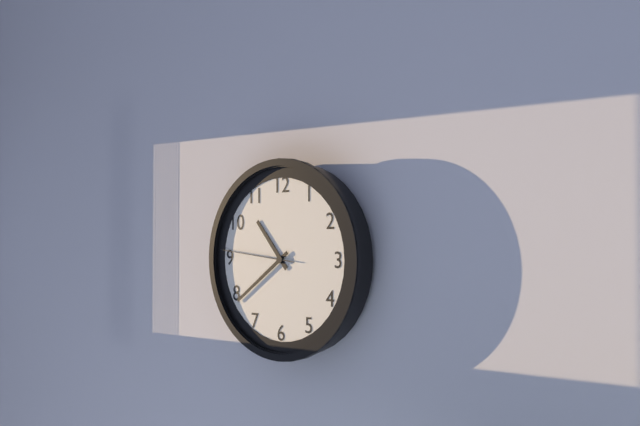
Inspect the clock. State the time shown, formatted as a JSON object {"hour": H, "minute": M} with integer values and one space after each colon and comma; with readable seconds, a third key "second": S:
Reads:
{"hour": 10, "minute": 39, "second": 46}
